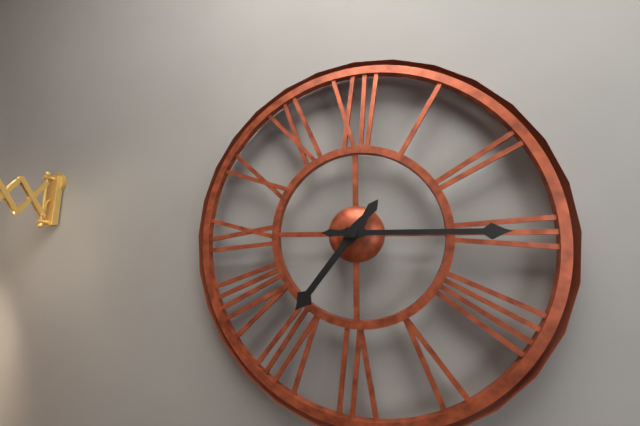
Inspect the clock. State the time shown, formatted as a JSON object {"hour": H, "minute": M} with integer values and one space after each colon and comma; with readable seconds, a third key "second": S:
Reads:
{"hour": 7, "minute": 15}
